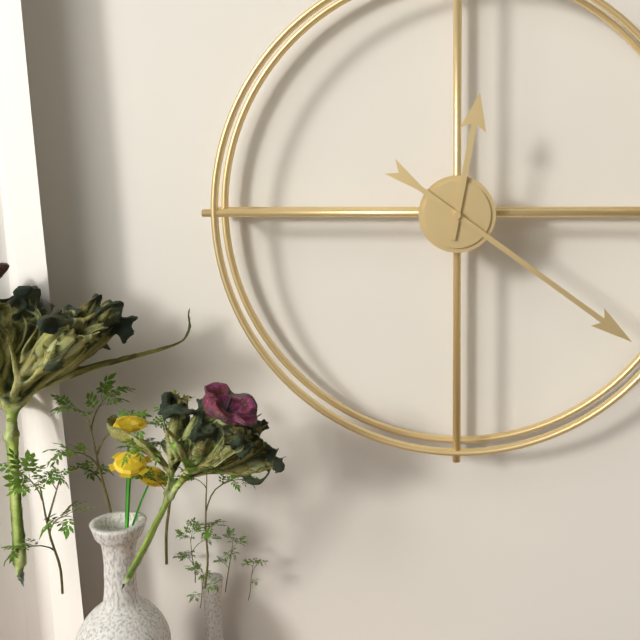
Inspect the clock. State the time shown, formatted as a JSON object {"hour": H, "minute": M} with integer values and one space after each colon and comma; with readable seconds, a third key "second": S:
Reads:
{"hour": 12, "minute": 21}
